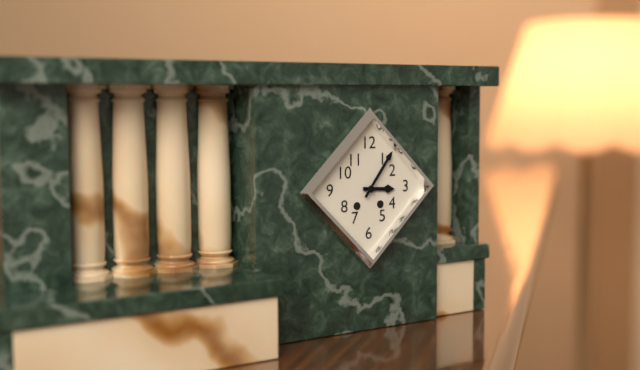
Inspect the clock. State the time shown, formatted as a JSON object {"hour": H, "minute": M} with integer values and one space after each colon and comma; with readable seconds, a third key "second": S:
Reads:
{"hour": 3, "minute": 6}
